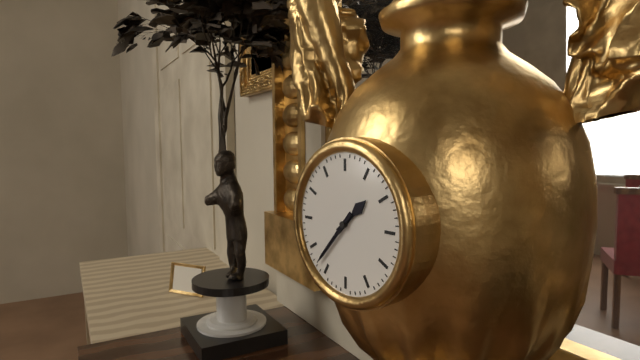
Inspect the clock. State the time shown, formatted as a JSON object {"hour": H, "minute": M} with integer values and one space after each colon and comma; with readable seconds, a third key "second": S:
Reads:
{"hour": 1, "minute": 37}
